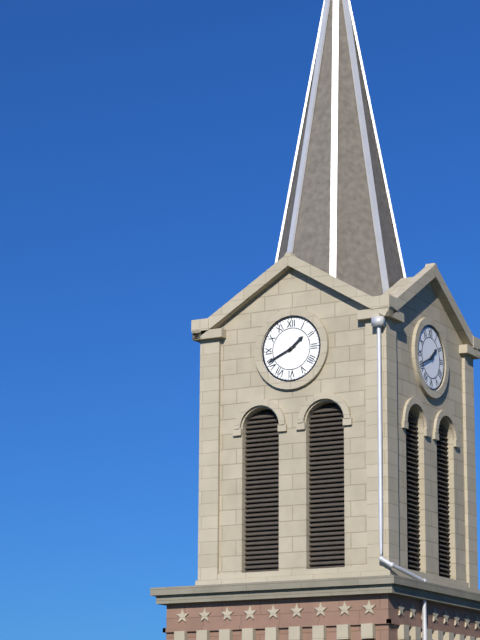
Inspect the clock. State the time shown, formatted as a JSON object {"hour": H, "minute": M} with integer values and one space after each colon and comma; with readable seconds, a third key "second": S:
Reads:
{"hour": 1, "minute": 41}
